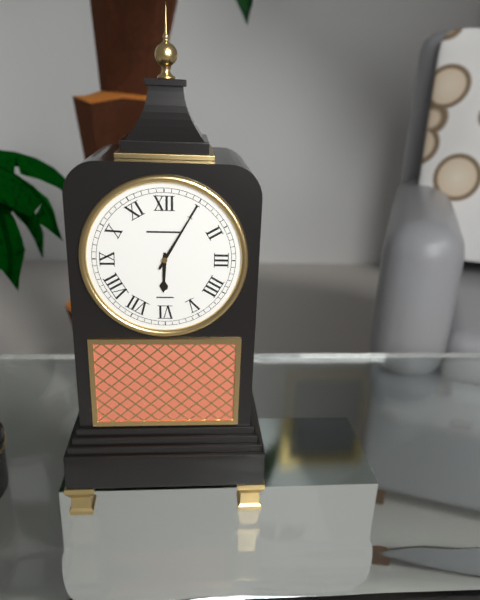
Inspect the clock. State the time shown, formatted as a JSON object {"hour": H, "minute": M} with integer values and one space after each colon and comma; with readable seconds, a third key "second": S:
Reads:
{"hour": 6, "minute": 5}
